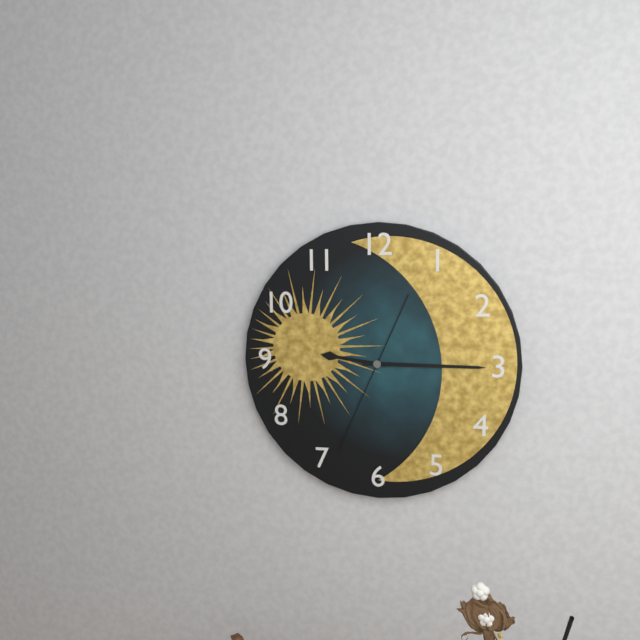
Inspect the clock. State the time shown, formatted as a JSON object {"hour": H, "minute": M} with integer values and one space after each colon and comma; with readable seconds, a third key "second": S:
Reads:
{"hour": 9, "minute": 15, "second": 34}
